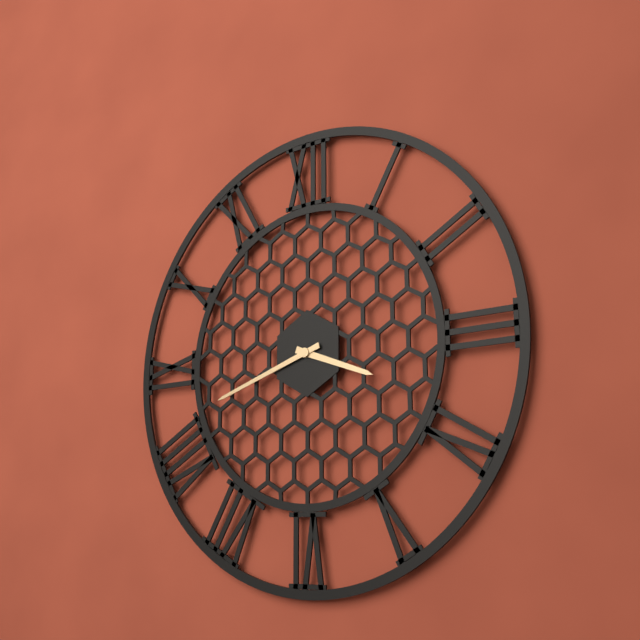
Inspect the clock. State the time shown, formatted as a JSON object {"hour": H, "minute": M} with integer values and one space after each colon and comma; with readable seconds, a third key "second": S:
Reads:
{"hour": 3, "minute": 42}
